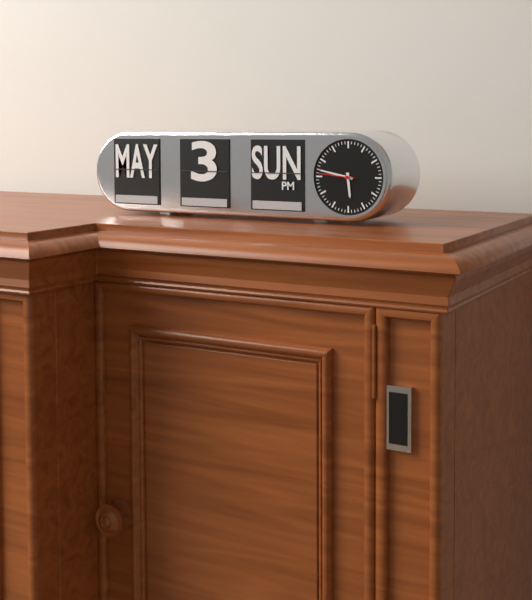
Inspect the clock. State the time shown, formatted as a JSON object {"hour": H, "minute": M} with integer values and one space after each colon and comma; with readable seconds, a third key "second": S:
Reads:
{"hour": 5, "minute": 47}
